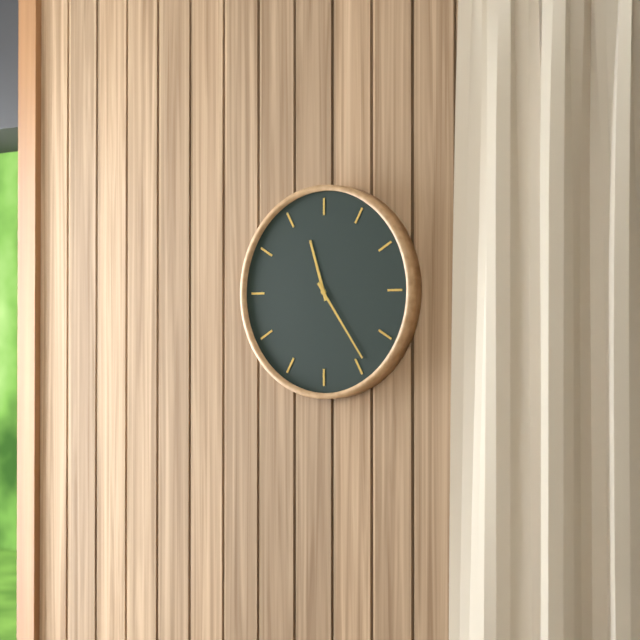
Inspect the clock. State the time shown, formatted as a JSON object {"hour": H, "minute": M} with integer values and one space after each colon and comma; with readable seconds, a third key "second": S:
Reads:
{"hour": 11, "minute": 24}
